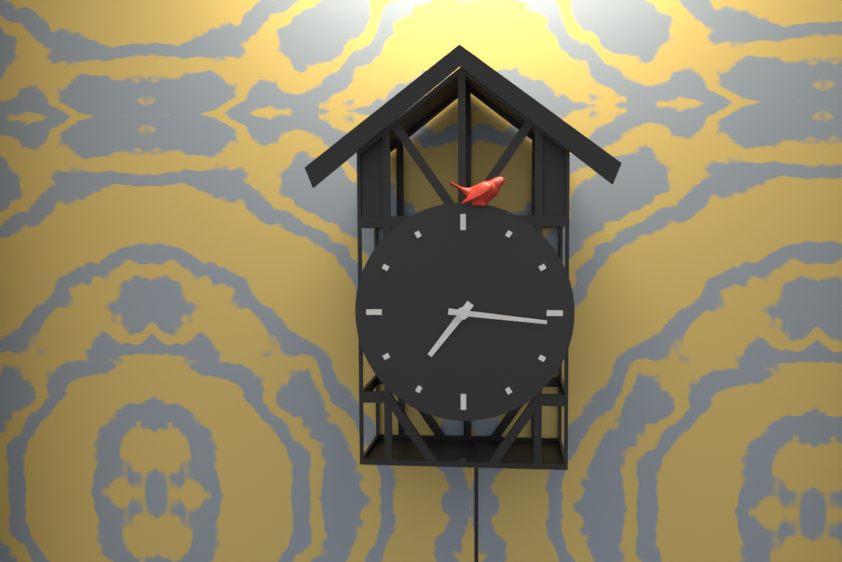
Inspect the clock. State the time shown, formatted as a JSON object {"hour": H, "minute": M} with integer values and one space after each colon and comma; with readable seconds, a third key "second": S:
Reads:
{"hour": 7, "minute": 16}
